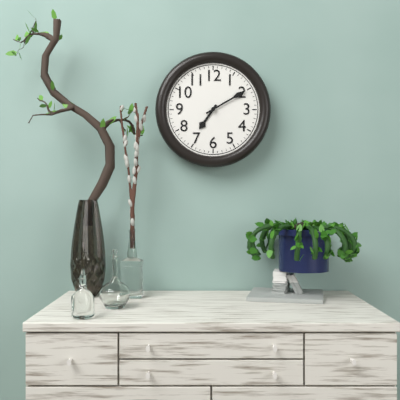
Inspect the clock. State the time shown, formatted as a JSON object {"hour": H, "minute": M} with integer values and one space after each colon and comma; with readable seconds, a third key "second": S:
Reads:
{"hour": 7, "minute": 10}
